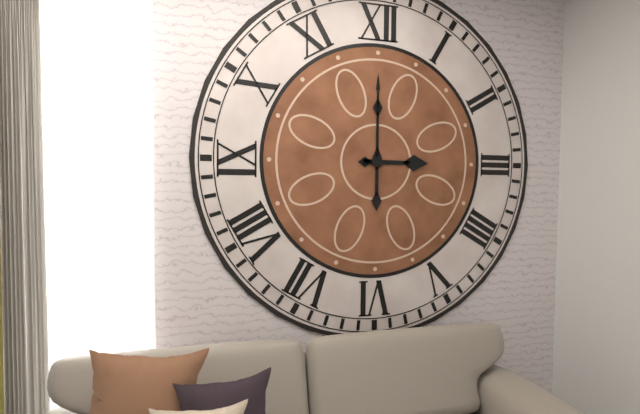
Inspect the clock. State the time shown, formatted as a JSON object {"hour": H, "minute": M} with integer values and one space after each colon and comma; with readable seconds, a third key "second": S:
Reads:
{"hour": 3, "minute": 0}
